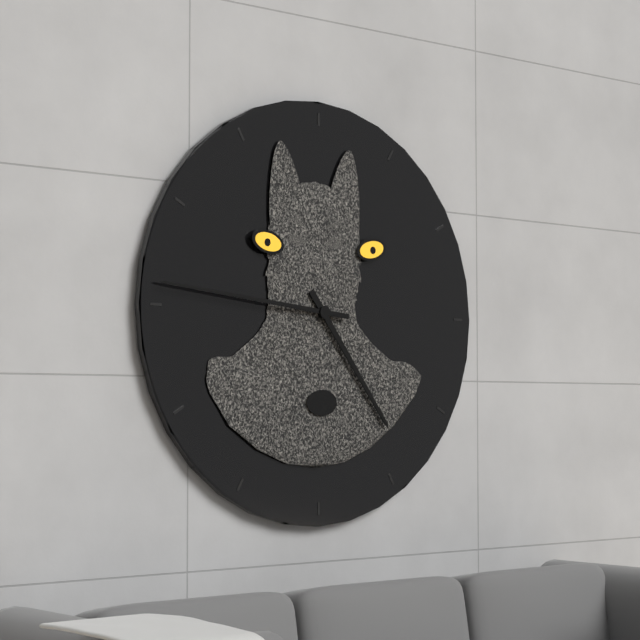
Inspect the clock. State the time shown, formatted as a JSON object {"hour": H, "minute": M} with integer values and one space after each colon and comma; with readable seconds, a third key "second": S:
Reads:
{"hour": 4, "minute": 46}
